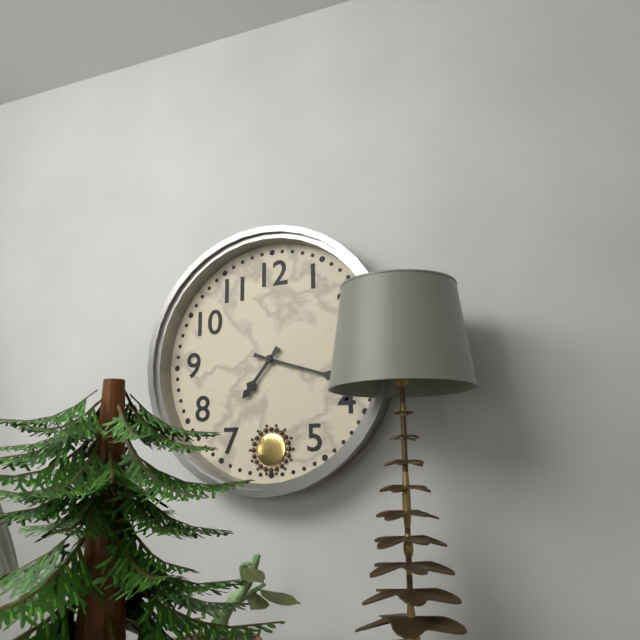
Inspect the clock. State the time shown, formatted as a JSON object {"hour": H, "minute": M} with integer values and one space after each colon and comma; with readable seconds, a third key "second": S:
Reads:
{"hour": 7, "minute": 18}
